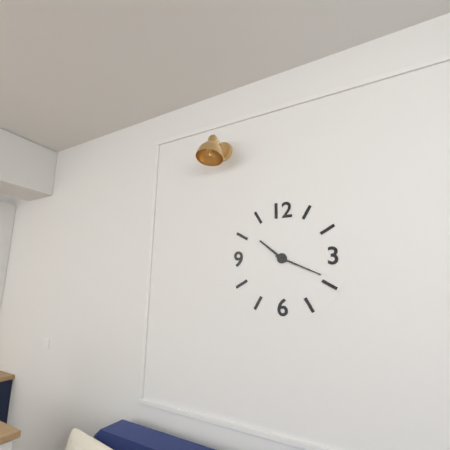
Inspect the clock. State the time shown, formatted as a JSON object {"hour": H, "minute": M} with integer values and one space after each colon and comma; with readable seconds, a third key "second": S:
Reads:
{"hour": 10, "minute": 19}
